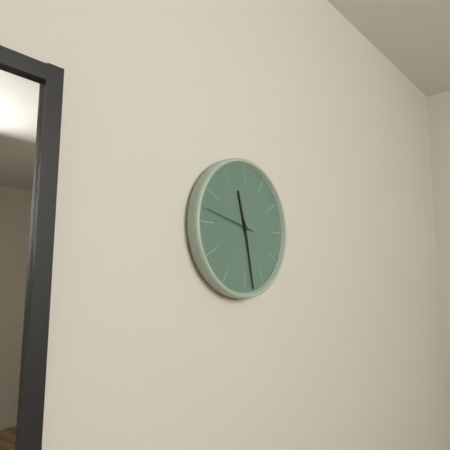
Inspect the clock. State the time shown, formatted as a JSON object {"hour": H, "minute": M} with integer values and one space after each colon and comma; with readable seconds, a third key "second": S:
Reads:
{"hour": 11, "minute": 28, "second": 47}
